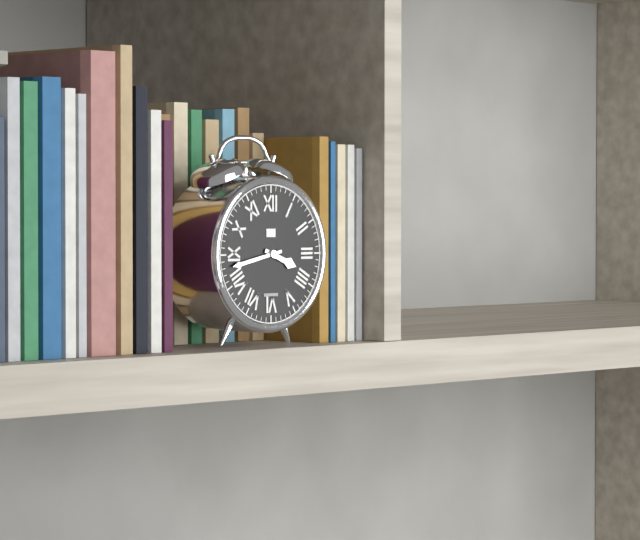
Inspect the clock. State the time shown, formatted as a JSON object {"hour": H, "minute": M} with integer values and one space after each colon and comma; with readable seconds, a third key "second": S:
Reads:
{"hour": 3, "minute": 43}
